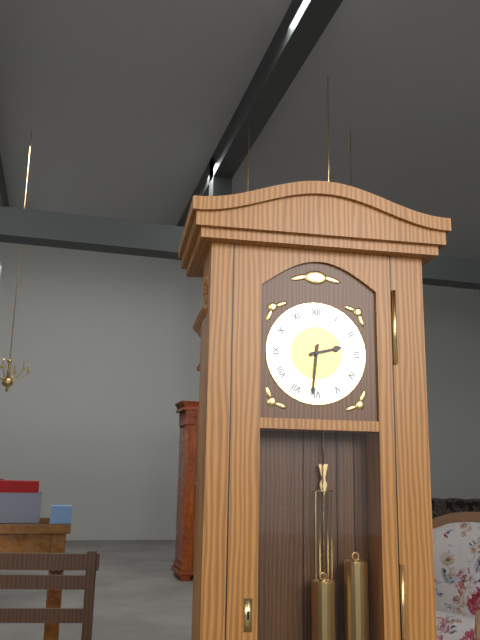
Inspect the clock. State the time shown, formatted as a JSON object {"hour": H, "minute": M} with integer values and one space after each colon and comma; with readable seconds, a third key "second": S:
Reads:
{"hour": 2, "minute": 31}
